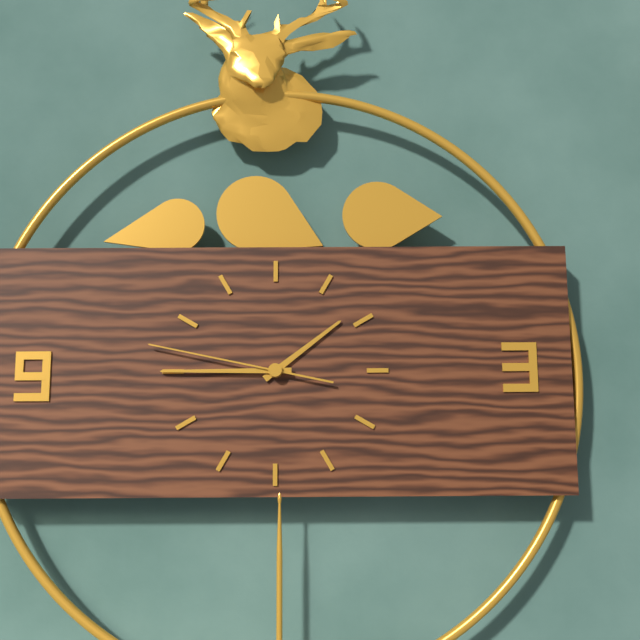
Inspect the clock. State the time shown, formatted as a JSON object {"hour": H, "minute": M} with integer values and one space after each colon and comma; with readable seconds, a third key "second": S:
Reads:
{"hour": 1, "minute": 45, "second": 47}
